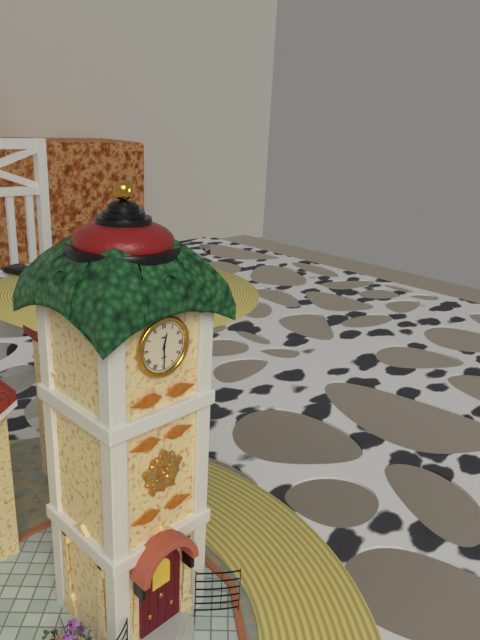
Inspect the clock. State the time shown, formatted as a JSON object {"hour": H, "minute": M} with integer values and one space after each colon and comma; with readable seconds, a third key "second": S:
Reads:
{"hour": 12, "minute": 30}
